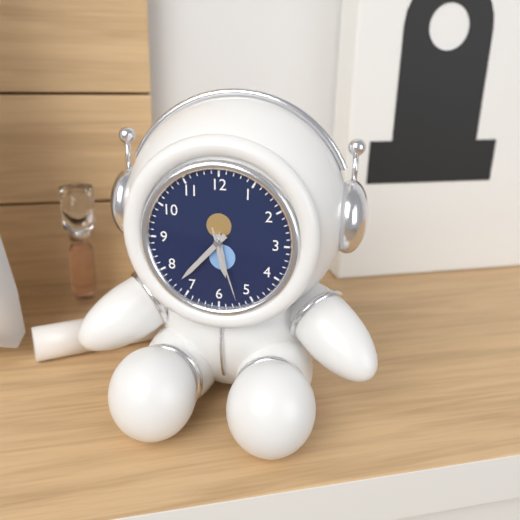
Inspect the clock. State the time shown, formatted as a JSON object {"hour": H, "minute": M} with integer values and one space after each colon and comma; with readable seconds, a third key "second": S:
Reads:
{"hour": 5, "minute": 37, "second": 27}
